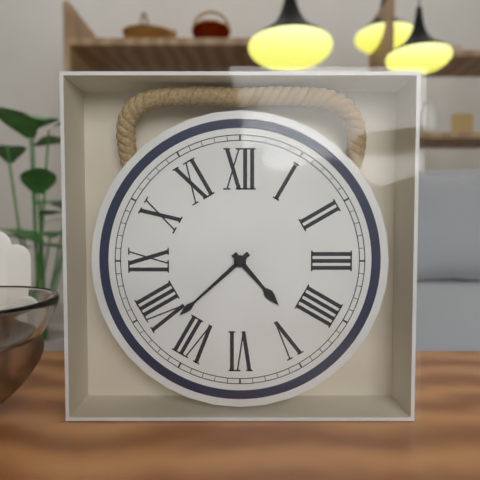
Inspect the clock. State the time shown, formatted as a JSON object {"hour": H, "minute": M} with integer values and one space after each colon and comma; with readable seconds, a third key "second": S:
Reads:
{"hour": 4, "minute": 38}
